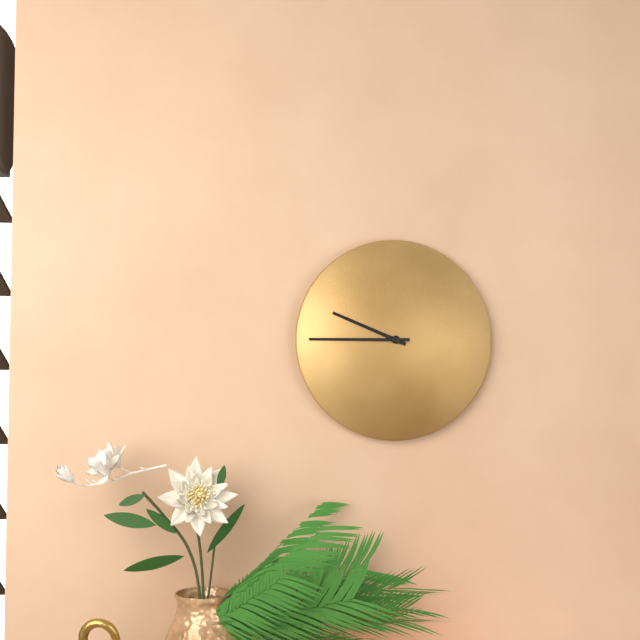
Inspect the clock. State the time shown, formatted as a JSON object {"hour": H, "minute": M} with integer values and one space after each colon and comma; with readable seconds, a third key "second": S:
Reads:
{"hour": 9, "minute": 45}
